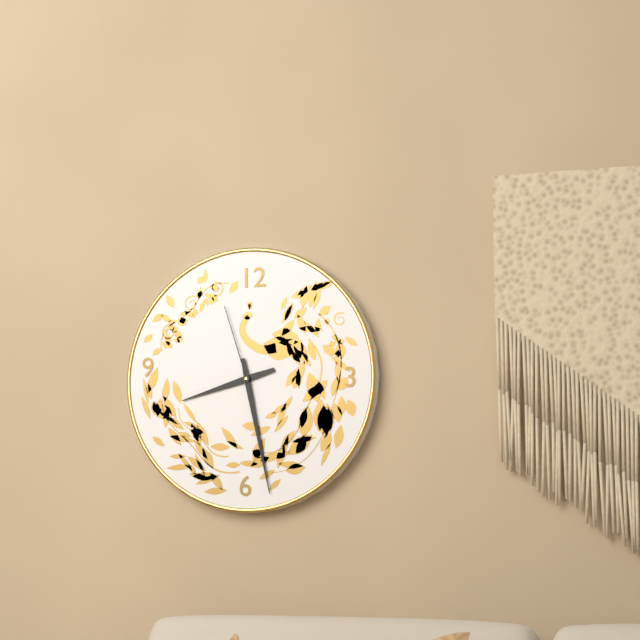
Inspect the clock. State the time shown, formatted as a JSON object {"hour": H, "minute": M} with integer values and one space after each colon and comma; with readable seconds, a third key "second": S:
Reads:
{"hour": 8, "minute": 28, "second": 57}
